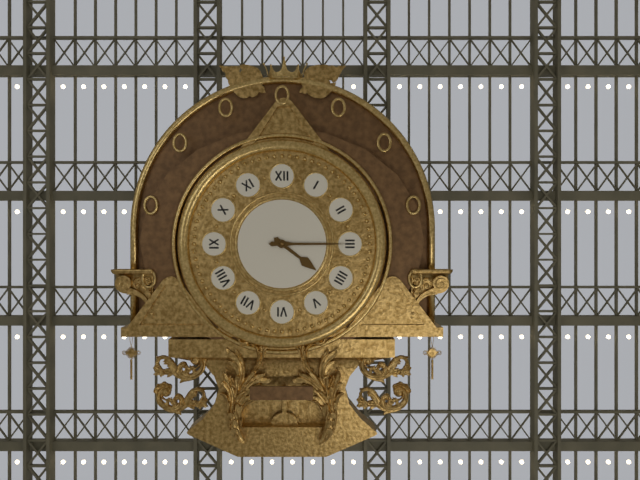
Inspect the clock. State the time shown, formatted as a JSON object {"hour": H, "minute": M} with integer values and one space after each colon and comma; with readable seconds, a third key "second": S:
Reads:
{"hour": 4, "minute": 15}
